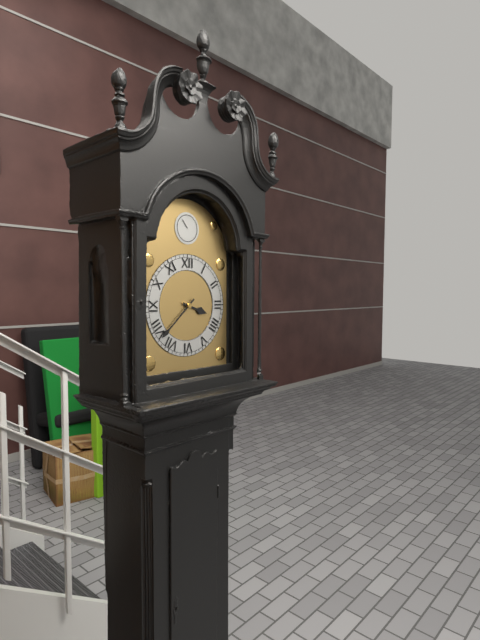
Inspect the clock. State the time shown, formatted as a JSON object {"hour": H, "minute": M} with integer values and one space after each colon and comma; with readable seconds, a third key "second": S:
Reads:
{"hour": 3, "minute": 38}
